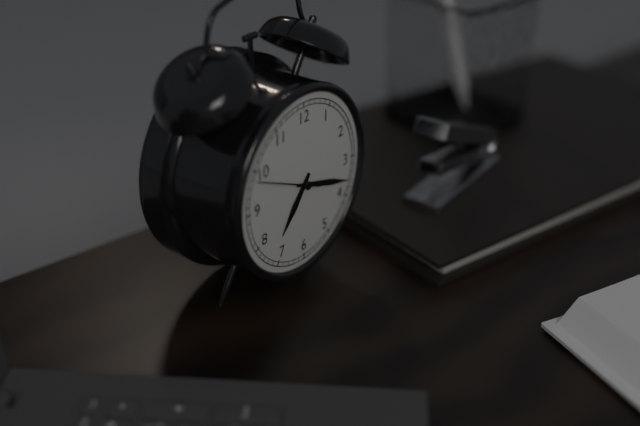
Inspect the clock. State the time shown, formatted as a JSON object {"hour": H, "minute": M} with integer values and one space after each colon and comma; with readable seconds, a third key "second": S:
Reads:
{"hour": 7, "minute": 18, "second": 49}
